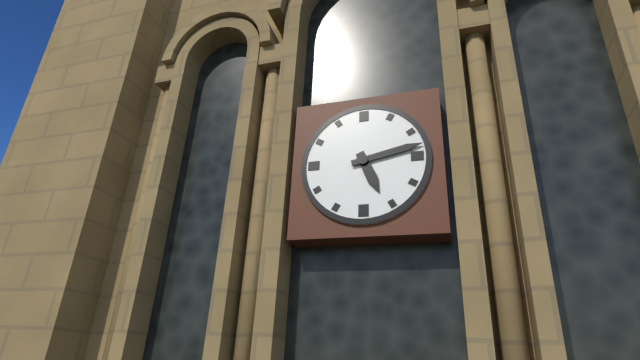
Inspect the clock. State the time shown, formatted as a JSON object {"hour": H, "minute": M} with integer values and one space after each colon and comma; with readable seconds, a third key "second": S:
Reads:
{"hour": 5, "minute": 13}
